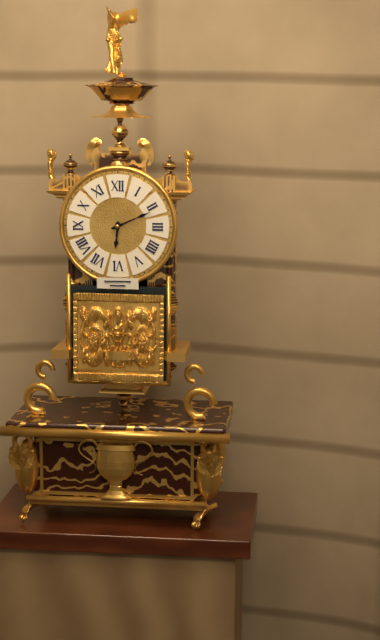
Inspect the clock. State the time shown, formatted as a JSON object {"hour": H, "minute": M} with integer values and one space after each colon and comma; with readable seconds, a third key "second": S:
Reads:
{"hour": 6, "minute": 11}
